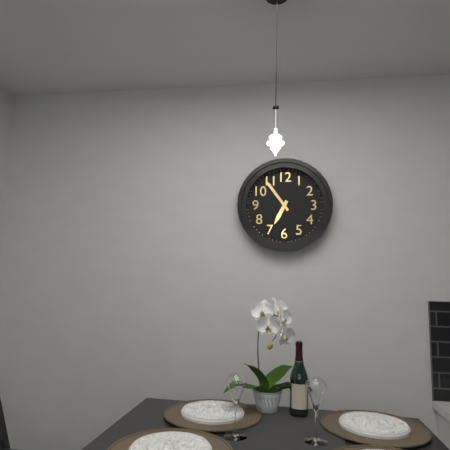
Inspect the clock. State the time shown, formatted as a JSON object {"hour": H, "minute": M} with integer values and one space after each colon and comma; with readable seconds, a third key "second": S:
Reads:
{"hour": 6, "minute": 54}
